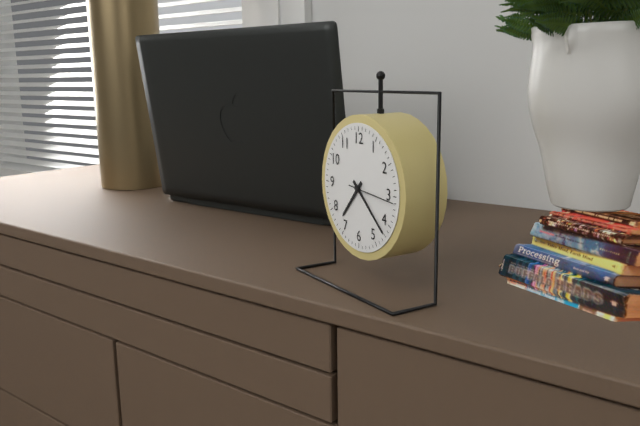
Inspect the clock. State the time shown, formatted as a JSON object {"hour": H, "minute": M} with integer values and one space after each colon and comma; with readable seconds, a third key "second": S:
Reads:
{"hour": 7, "minute": 22}
